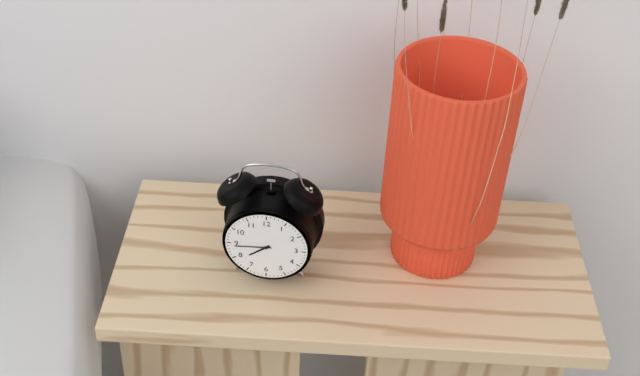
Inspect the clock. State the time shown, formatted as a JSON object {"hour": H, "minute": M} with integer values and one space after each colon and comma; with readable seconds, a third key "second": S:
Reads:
{"hour": 7, "minute": 44}
